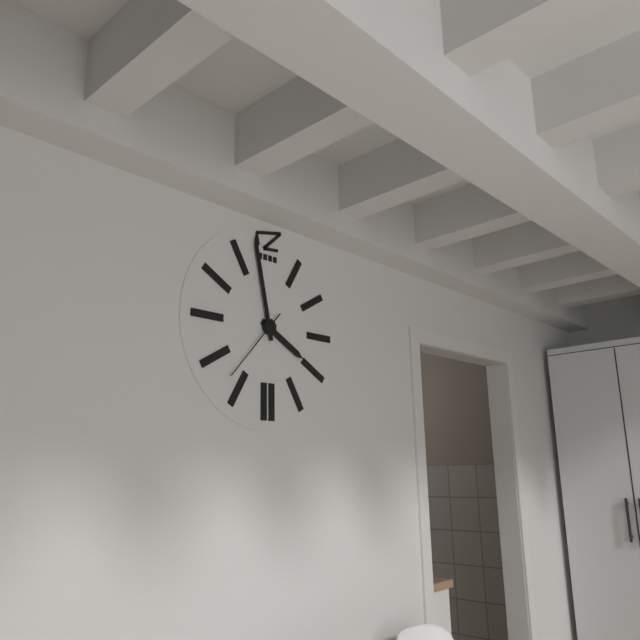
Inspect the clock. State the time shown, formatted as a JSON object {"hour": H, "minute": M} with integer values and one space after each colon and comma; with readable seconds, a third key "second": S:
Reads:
{"hour": 3, "minute": 58, "second": 37}
